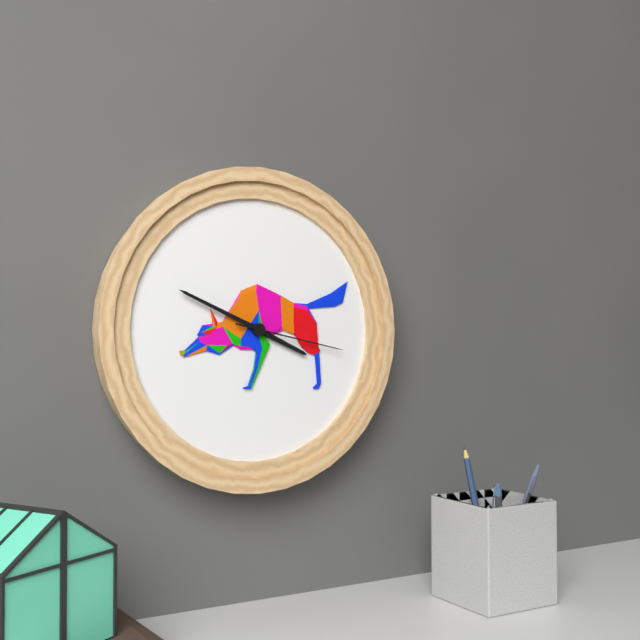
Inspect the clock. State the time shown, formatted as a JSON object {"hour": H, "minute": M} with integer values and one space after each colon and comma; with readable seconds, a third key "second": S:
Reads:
{"hour": 3, "minute": 49, "second": 17}
